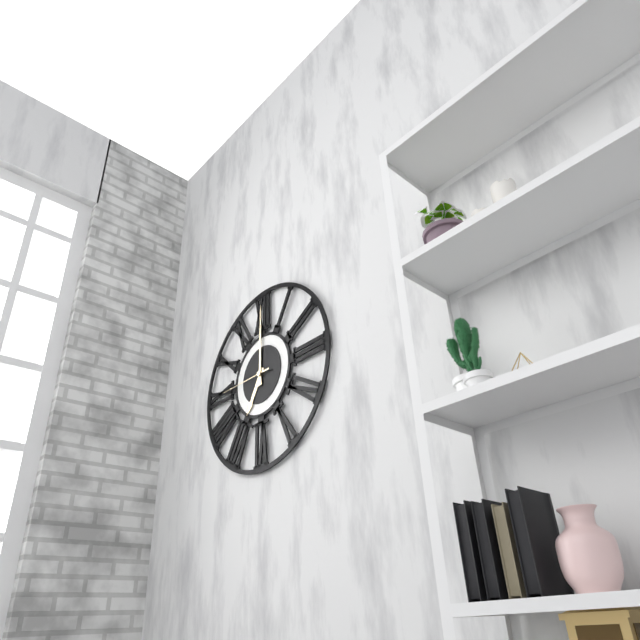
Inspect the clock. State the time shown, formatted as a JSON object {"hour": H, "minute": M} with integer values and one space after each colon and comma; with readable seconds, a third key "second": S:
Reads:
{"hour": 7, "minute": 0, "second": 45}
